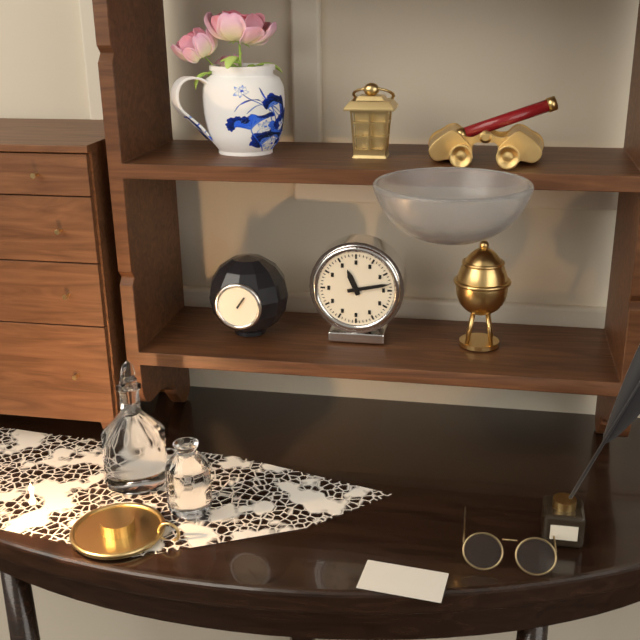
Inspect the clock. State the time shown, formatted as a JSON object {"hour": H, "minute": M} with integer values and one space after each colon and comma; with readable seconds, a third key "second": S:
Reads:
{"hour": 11, "minute": 13}
